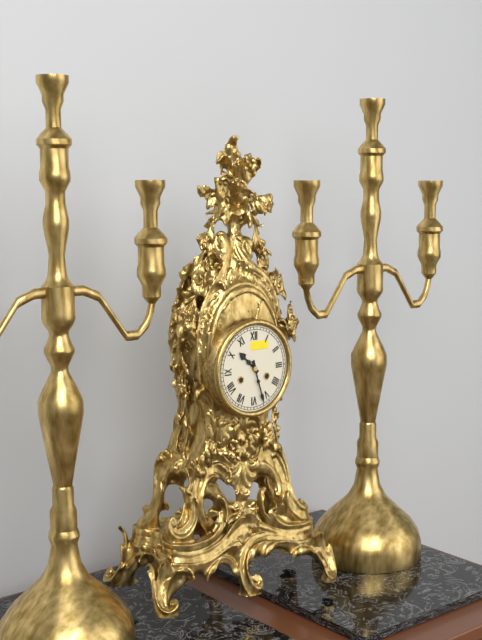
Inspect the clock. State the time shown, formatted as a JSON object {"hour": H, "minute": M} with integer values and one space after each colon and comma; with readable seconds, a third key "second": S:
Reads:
{"hour": 10, "minute": 27}
